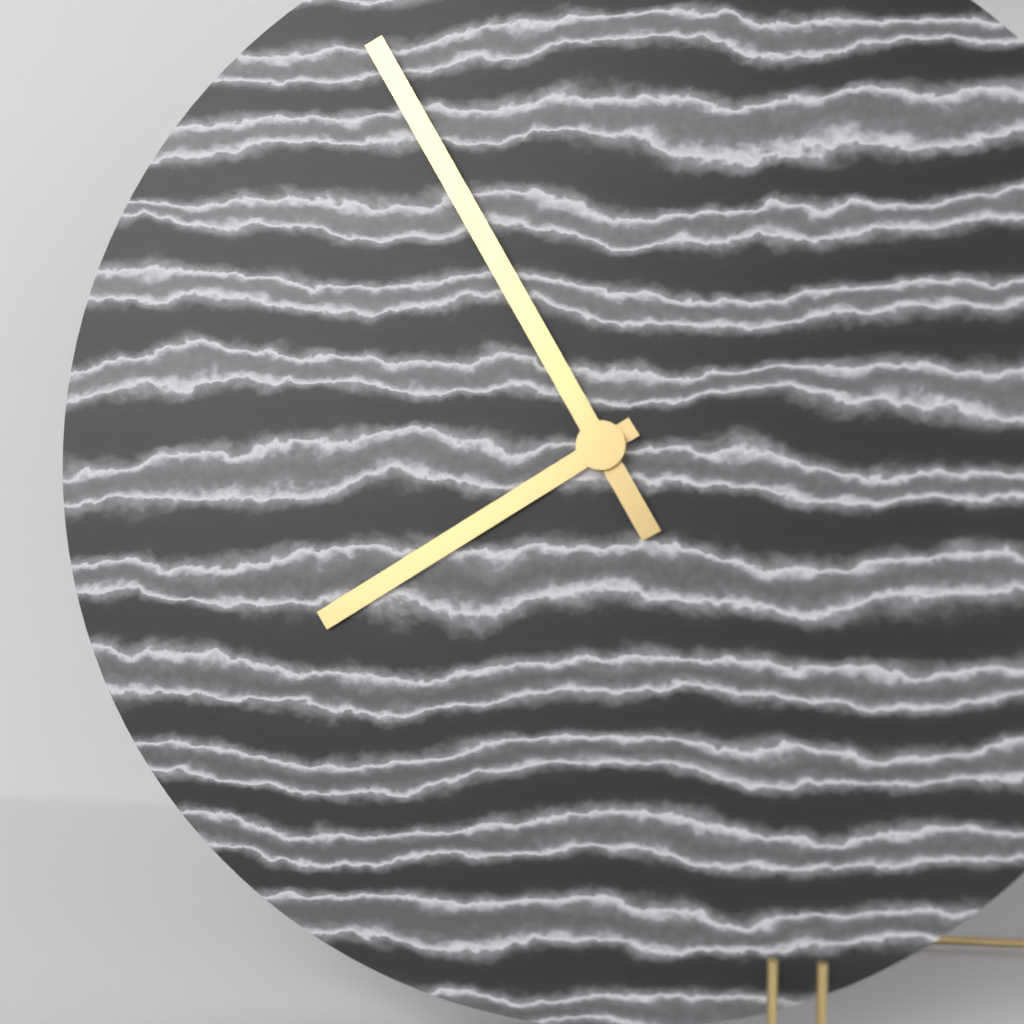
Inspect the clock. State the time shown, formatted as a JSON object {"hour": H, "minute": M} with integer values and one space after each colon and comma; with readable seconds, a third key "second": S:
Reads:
{"hour": 7, "minute": 55}
